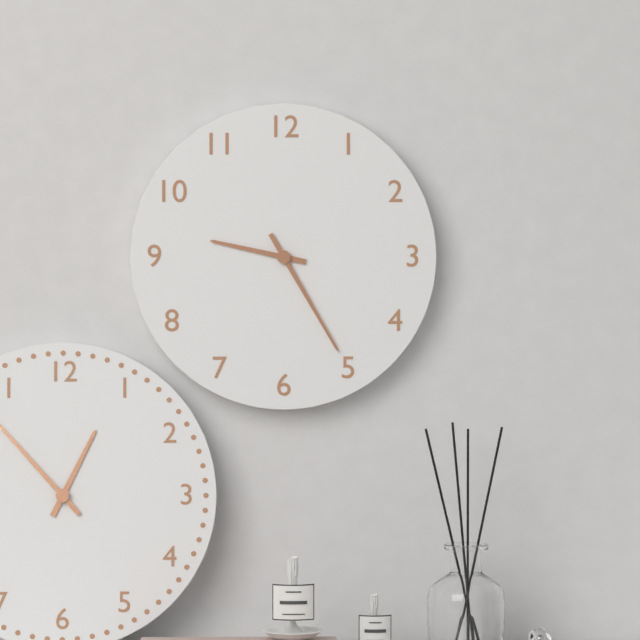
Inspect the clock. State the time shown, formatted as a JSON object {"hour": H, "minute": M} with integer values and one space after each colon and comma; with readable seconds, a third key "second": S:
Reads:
{"hour": 9, "minute": 25}
